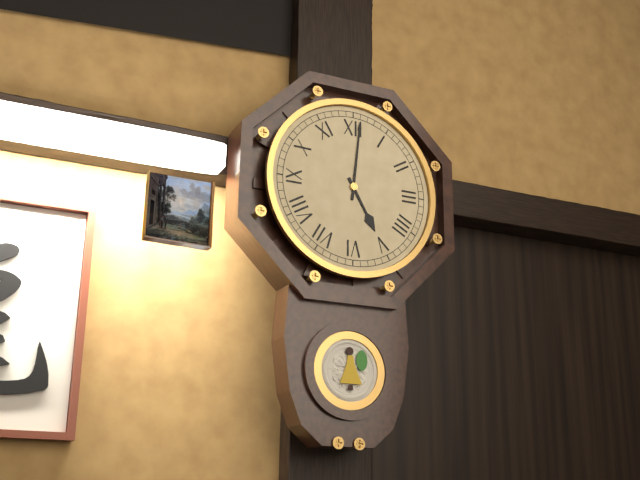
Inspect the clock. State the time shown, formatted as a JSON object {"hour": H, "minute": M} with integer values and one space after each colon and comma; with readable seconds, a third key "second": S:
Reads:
{"hour": 5, "minute": 1}
